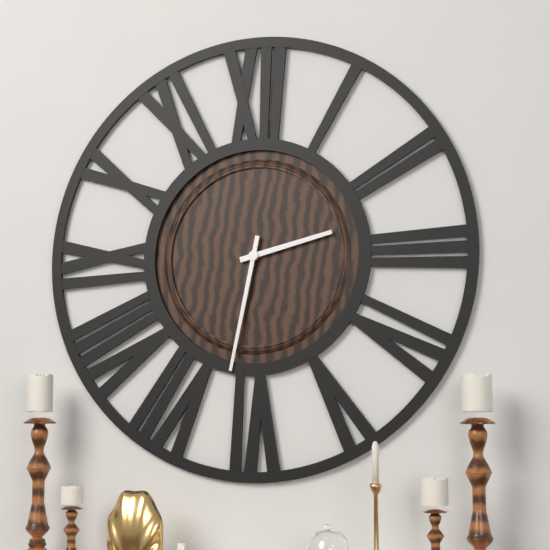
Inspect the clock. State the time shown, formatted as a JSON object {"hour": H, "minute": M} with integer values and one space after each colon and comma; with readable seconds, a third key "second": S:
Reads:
{"hour": 2, "minute": 32}
